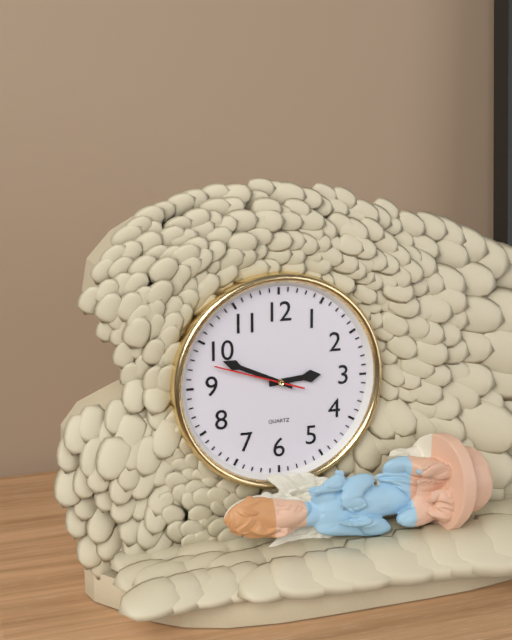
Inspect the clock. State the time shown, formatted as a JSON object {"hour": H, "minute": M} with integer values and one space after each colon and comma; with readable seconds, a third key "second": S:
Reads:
{"hour": 2, "minute": 49, "second": 48}
